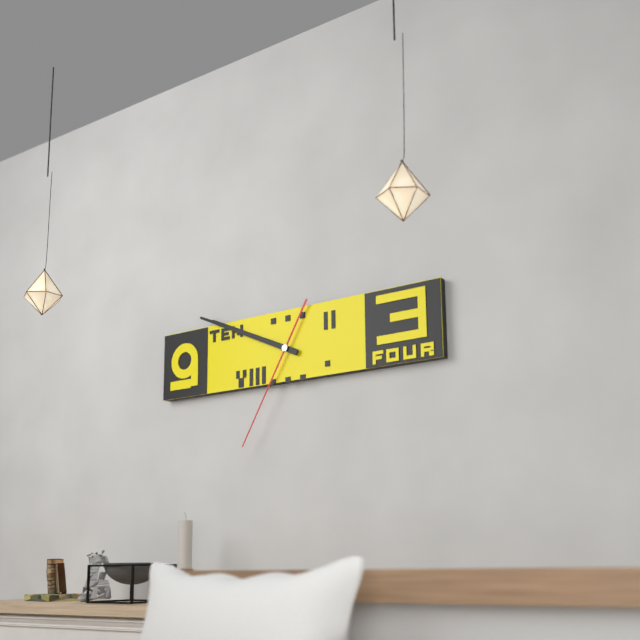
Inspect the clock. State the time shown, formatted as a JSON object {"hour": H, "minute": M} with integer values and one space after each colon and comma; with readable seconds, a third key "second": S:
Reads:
{"hour": 9, "minute": 49, "second": 35}
